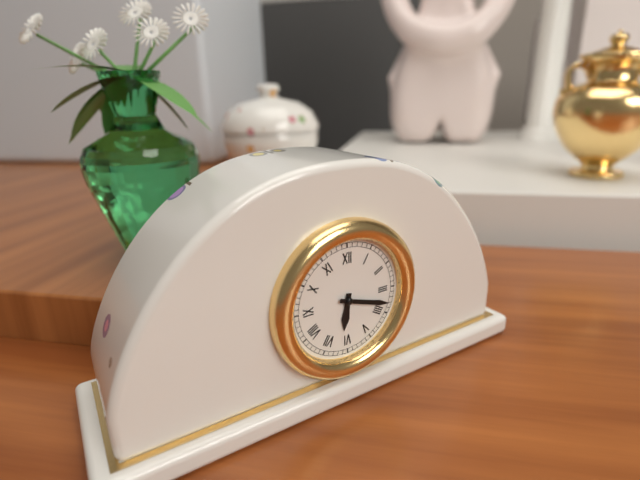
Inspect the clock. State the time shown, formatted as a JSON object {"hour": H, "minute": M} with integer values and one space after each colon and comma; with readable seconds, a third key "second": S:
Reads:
{"hour": 6, "minute": 18}
